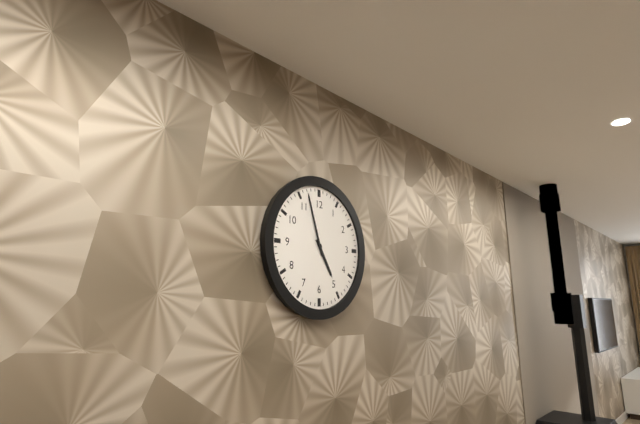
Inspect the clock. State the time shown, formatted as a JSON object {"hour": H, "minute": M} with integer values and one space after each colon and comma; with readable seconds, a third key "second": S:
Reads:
{"hour": 4, "minute": 57}
